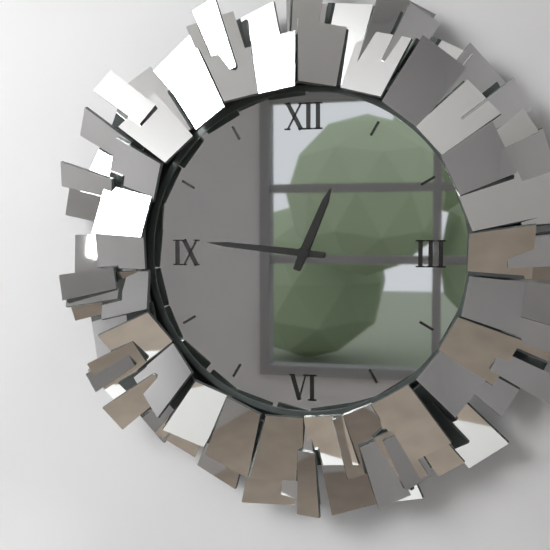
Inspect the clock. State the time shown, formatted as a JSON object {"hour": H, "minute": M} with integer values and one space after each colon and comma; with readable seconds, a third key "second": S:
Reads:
{"hour": 12, "minute": 46}
